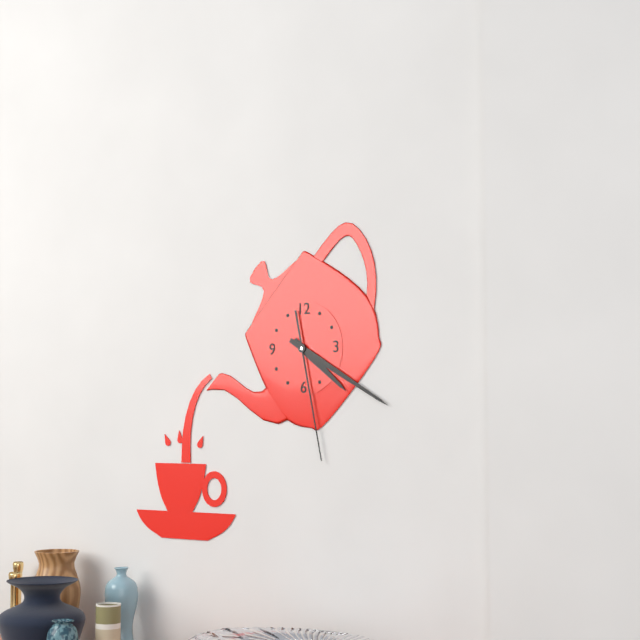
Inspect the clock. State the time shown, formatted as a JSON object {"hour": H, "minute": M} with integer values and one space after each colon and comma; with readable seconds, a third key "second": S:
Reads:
{"hour": 4, "minute": 20, "second": 28}
